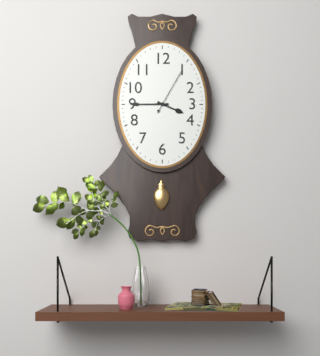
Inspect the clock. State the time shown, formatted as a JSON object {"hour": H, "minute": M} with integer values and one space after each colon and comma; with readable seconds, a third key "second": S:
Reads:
{"hour": 3, "minute": 45, "second": 5}
